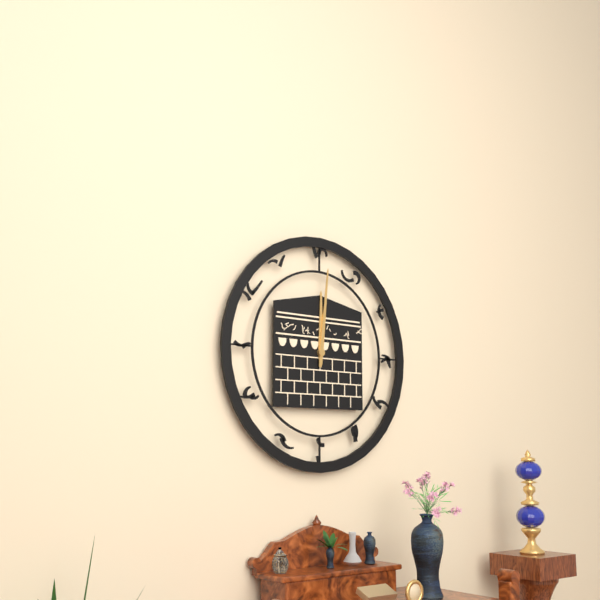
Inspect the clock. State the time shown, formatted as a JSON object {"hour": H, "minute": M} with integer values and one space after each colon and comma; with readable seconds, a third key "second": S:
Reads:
{"hour": 12, "minute": 1}
